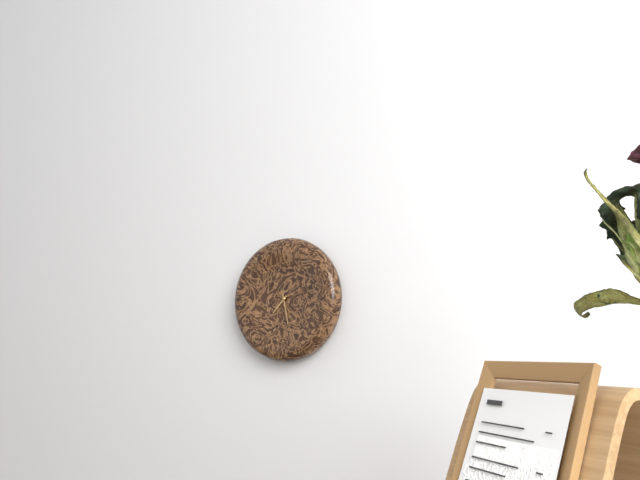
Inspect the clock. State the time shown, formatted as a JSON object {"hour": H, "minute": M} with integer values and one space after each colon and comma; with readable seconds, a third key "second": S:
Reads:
{"hour": 7, "minute": 28}
